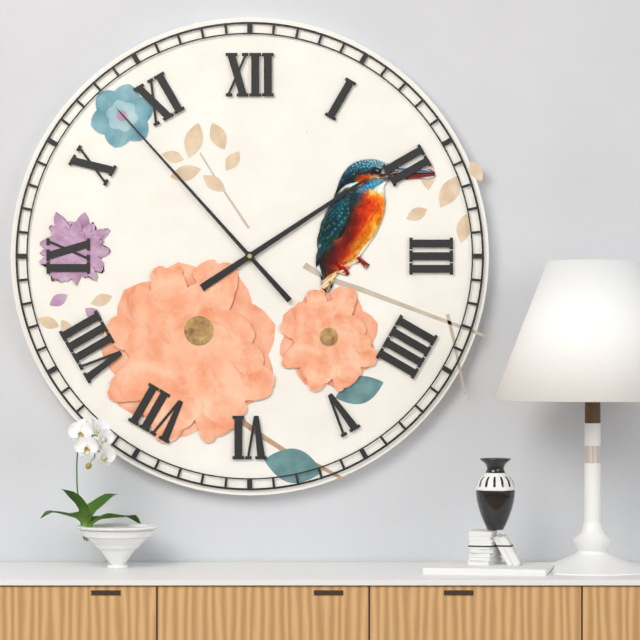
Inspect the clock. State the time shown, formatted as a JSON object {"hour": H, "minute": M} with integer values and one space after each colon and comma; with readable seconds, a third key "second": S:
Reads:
{"hour": 1, "minute": 53}
